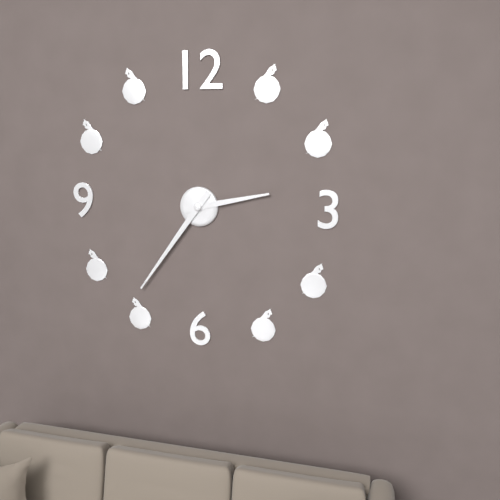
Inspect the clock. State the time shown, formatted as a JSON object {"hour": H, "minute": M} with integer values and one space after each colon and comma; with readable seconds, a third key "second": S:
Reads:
{"hour": 2, "minute": 36}
